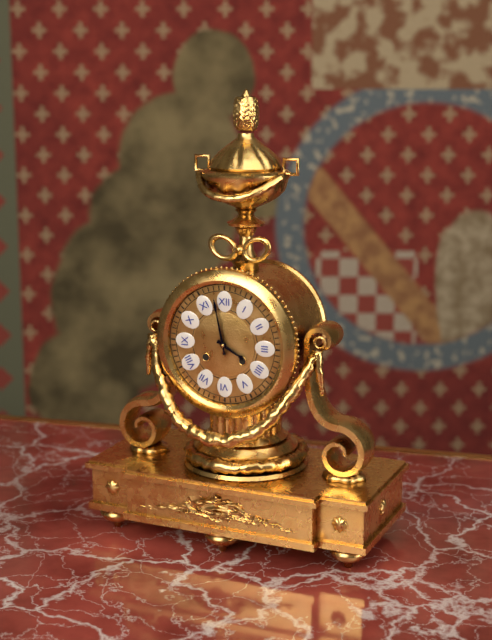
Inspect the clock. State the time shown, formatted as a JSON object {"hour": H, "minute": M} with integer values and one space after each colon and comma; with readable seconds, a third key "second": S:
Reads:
{"hour": 3, "minute": 58}
